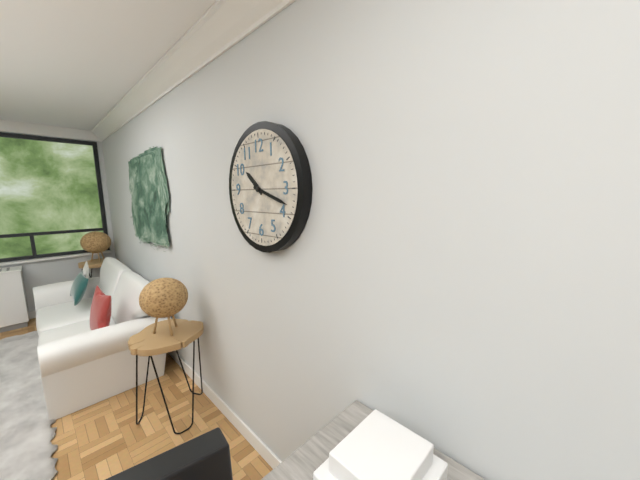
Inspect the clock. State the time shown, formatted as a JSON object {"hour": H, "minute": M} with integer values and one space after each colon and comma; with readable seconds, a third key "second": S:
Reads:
{"hour": 10, "minute": 18}
